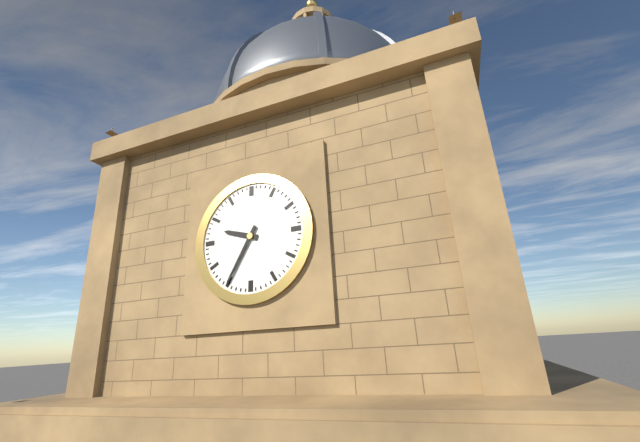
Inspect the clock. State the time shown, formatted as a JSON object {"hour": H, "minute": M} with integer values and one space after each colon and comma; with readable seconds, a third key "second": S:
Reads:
{"hour": 9, "minute": 35}
